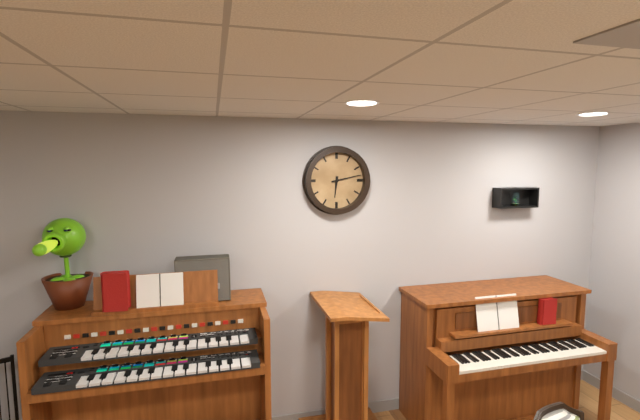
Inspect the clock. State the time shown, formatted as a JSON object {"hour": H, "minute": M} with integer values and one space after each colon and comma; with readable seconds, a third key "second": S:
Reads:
{"hour": 6, "minute": 13}
